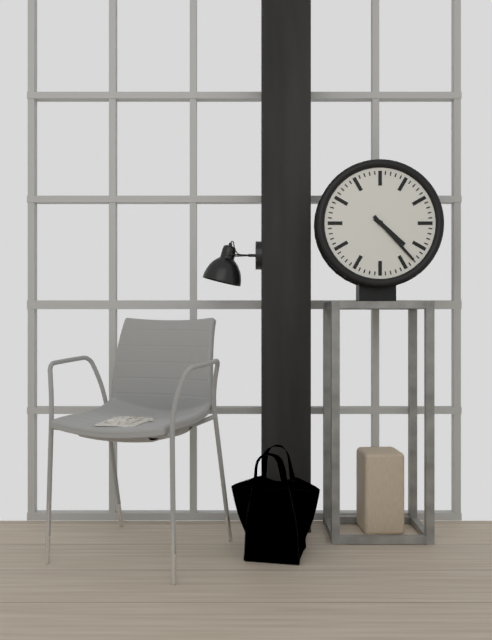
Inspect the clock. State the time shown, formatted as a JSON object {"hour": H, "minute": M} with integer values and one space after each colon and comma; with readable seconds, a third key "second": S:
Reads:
{"hour": 4, "minute": 23}
